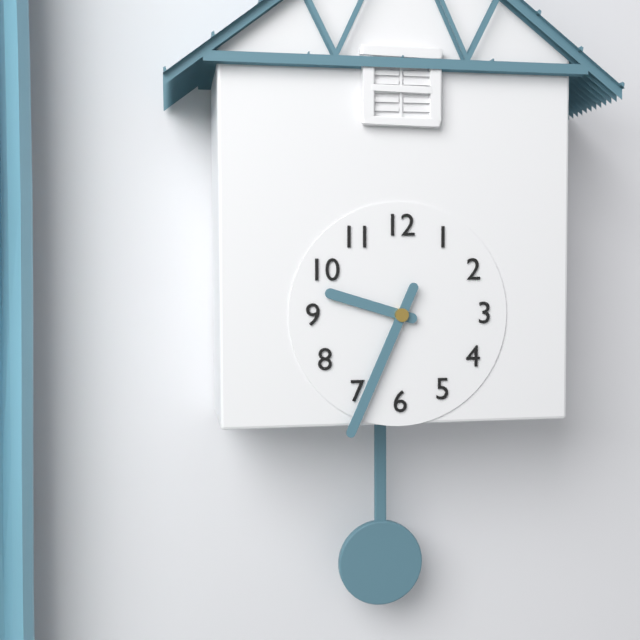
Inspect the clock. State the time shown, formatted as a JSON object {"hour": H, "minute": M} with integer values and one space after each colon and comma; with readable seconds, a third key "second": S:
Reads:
{"hour": 9, "minute": 34}
